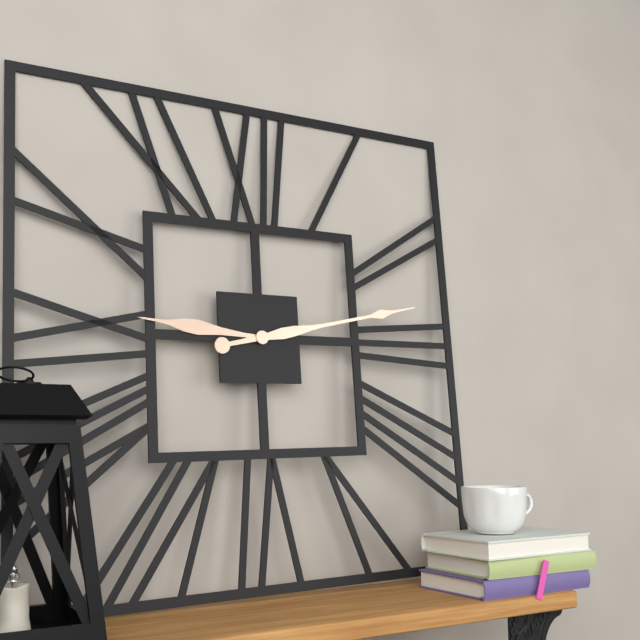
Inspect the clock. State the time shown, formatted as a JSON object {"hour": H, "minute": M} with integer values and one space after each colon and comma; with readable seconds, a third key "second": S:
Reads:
{"hour": 9, "minute": 13}
